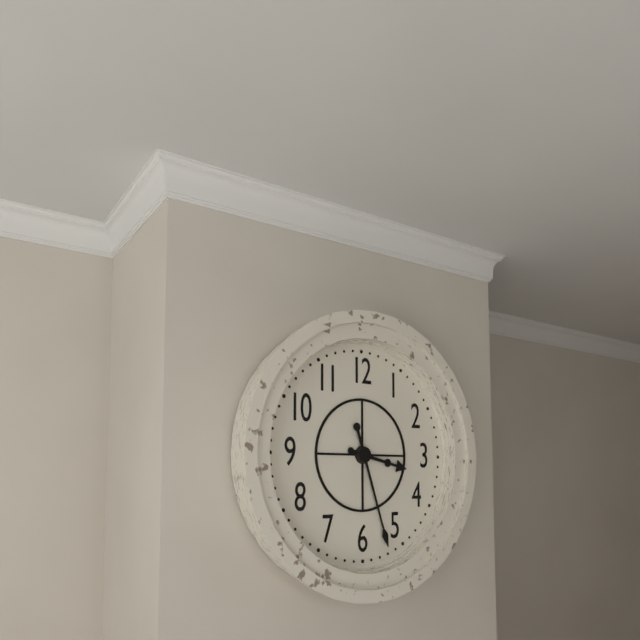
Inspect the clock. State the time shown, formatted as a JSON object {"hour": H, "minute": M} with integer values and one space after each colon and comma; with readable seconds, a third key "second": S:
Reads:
{"hour": 3, "minute": 27}
